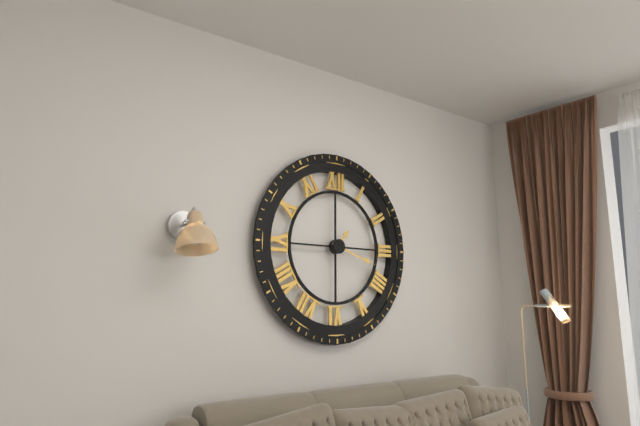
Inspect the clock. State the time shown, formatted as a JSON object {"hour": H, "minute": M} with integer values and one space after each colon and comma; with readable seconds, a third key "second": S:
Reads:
{"hour": 1, "minute": 18}
